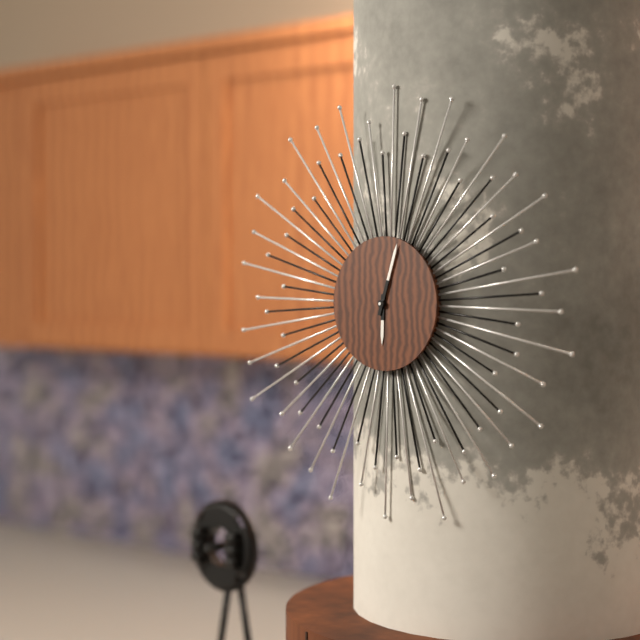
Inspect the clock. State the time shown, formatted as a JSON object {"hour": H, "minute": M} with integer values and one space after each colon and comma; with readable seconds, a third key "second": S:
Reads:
{"hour": 6, "minute": 3}
